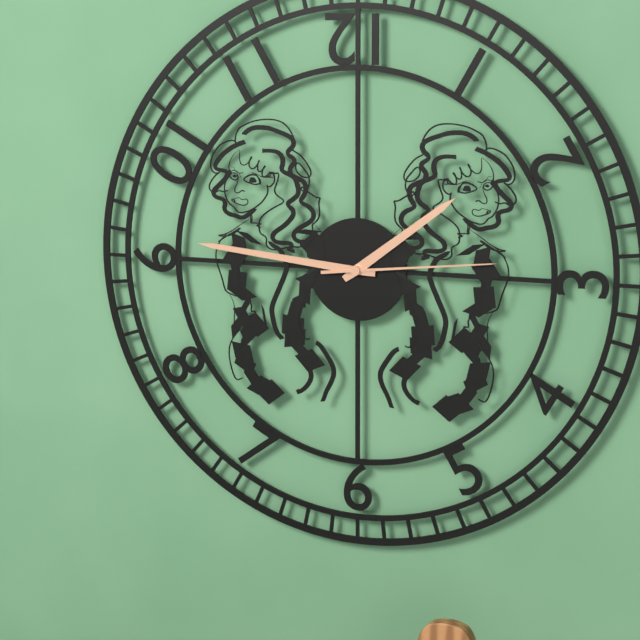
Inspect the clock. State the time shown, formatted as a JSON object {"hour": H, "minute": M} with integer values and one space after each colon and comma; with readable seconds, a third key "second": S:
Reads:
{"hour": 1, "minute": 46, "second": 14}
